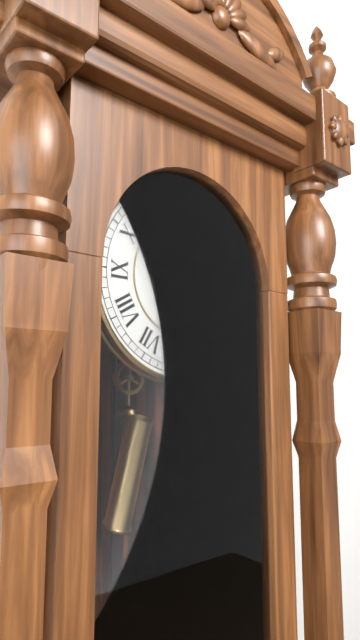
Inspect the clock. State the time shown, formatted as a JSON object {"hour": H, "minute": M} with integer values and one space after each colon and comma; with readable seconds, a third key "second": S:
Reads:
{"hour": 7, "minute": 19}
